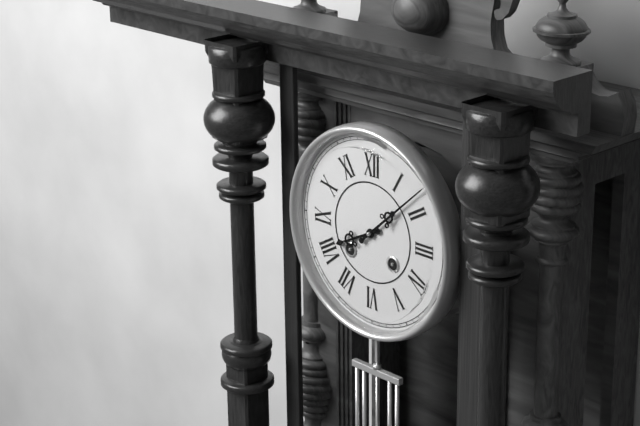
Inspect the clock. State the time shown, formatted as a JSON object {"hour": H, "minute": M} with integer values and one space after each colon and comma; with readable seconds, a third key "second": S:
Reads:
{"hour": 8, "minute": 8}
